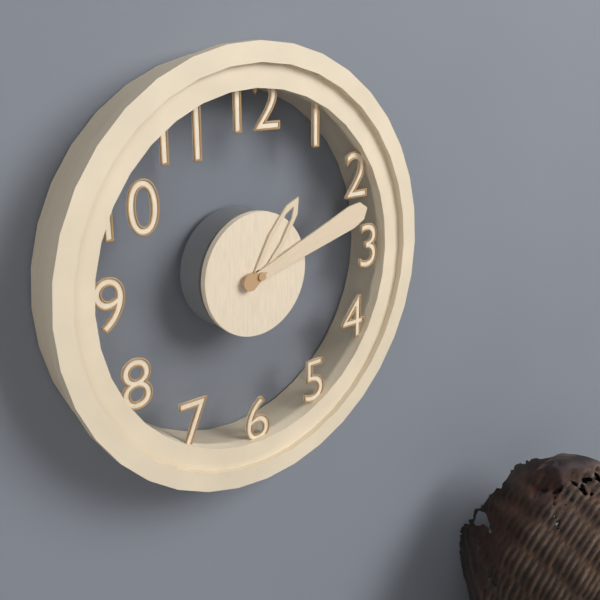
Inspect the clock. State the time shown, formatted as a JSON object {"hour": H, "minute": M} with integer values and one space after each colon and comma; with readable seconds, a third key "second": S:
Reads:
{"hour": 1, "minute": 12}
